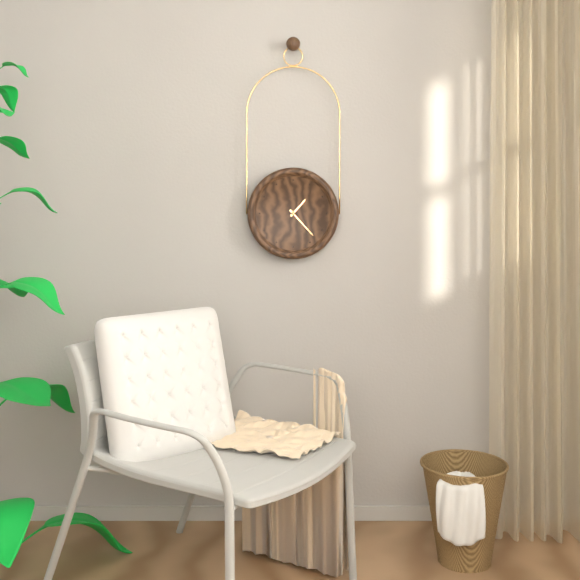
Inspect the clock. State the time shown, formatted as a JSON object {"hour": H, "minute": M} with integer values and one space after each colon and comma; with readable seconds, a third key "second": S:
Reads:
{"hour": 1, "minute": 23}
